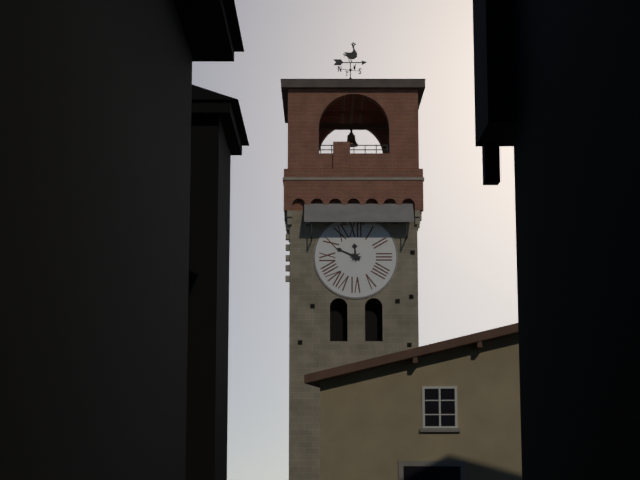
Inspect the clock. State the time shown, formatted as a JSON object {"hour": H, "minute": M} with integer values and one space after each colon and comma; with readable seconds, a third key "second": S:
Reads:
{"hour": 11, "minute": 49}
